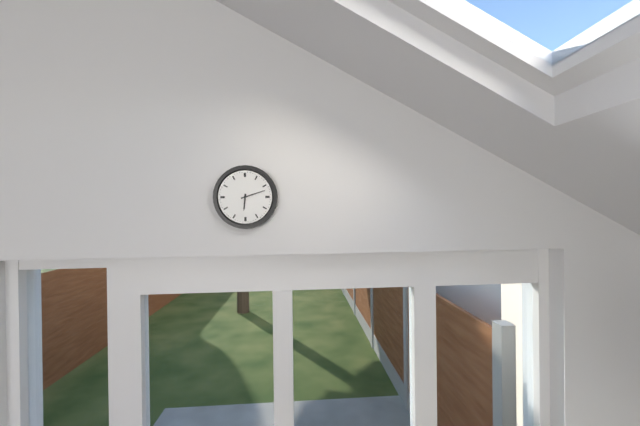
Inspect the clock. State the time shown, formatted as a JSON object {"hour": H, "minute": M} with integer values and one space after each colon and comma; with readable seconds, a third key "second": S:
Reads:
{"hour": 6, "minute": 12}
